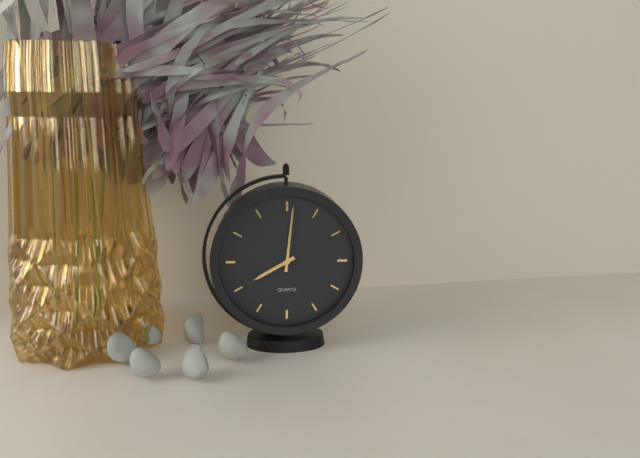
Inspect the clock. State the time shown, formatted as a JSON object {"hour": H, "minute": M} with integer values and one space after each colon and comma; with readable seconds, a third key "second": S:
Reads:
{"hour": 8, "minute": 1}
